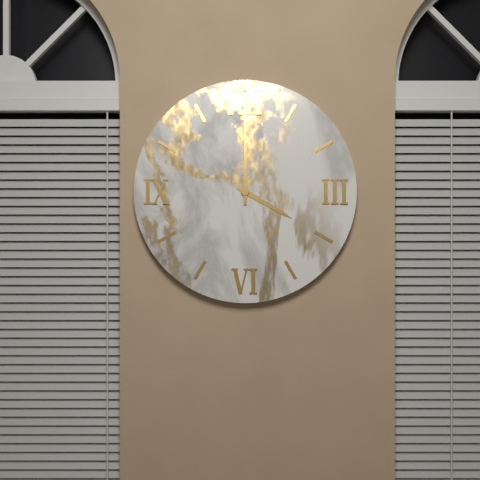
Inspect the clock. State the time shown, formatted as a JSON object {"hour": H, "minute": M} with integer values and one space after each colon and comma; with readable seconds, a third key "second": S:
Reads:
{"hour": 4, "minute": 0}
